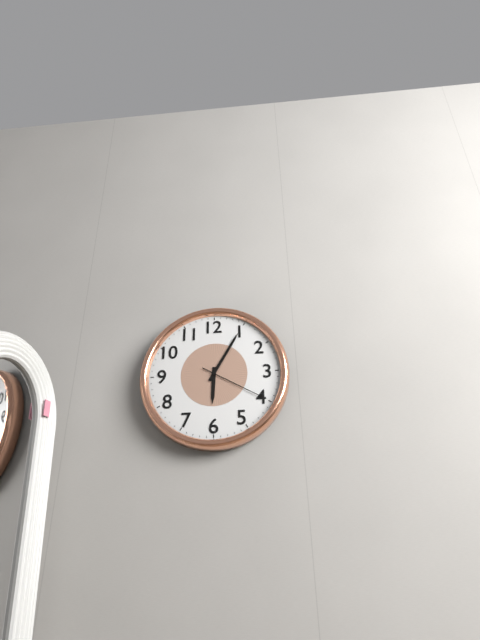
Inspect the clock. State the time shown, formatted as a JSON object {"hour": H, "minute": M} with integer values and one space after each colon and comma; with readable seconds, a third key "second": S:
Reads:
{"hour": 6, "minute": 5, "second": 20}
